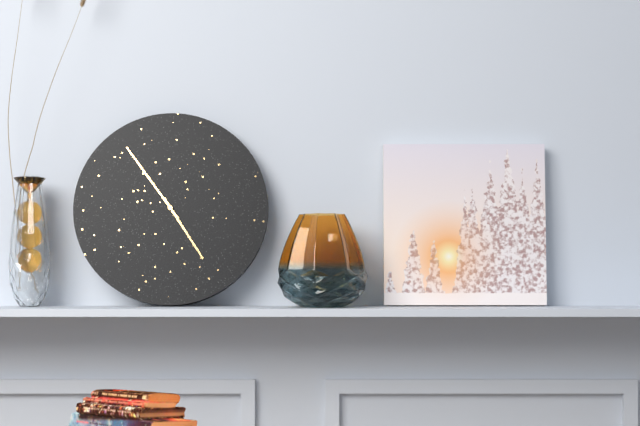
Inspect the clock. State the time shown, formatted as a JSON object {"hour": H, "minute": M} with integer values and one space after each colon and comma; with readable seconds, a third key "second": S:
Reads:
{"hour": 4, "minute": 54}
